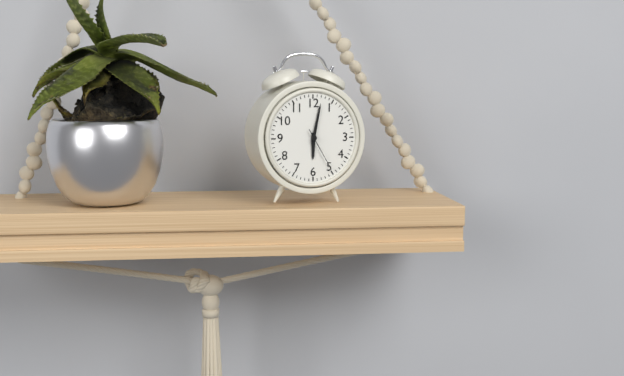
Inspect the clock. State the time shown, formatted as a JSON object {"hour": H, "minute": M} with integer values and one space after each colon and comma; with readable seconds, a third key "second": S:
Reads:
{"hour": 6, "minute": 2}
